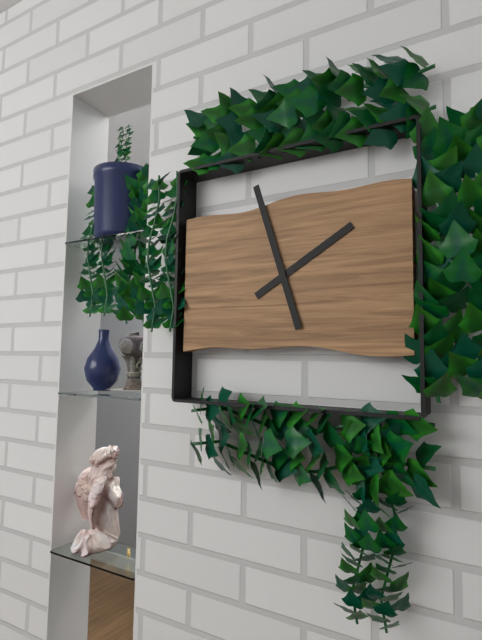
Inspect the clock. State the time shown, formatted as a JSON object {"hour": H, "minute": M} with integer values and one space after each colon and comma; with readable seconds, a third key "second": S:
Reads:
{"hour": 1, "minute": 57}
